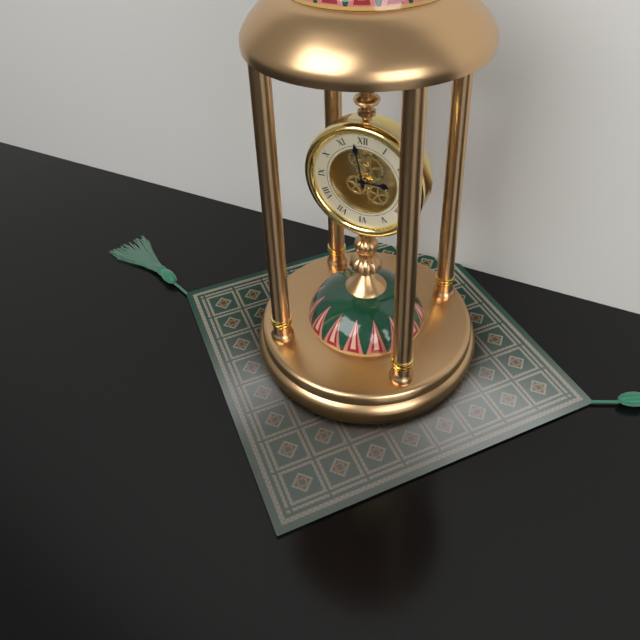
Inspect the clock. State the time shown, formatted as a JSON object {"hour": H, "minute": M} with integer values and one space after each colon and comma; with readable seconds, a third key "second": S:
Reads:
{"hour": 2, "minute": 58}
